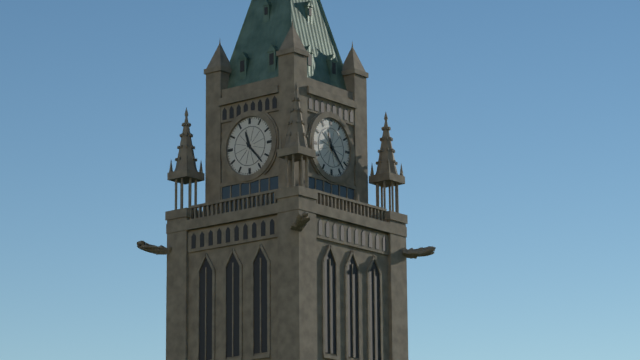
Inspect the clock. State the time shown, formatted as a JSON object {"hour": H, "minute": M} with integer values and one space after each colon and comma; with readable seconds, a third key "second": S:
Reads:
{"hour": 11, "minute": 23}
